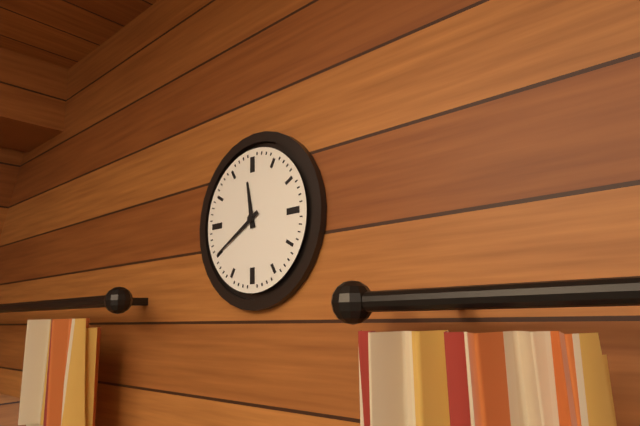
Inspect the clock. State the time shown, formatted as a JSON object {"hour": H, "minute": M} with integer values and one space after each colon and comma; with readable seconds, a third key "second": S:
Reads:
{"hour": 11, "minute": 40}
